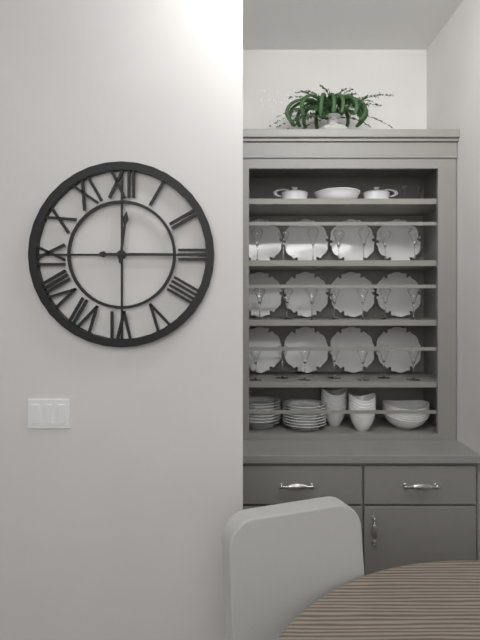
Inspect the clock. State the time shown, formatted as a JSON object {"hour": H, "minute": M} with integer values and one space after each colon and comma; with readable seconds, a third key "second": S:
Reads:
{"hour": 12, "minute": 15}
